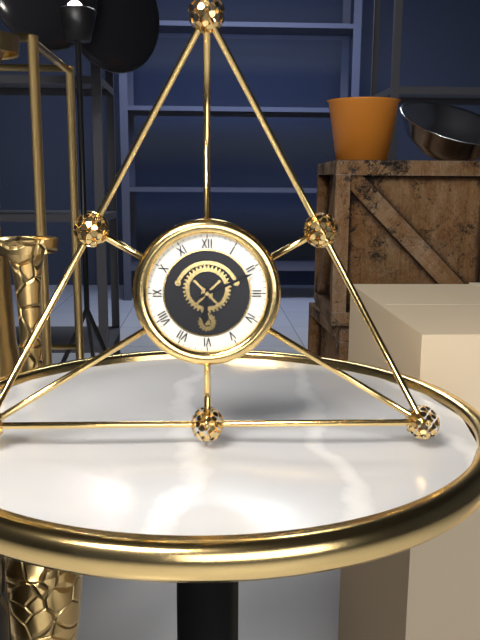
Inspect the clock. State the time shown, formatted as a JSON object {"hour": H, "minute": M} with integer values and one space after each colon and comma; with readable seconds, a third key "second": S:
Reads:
{"hour": 6, "minute": 11}
